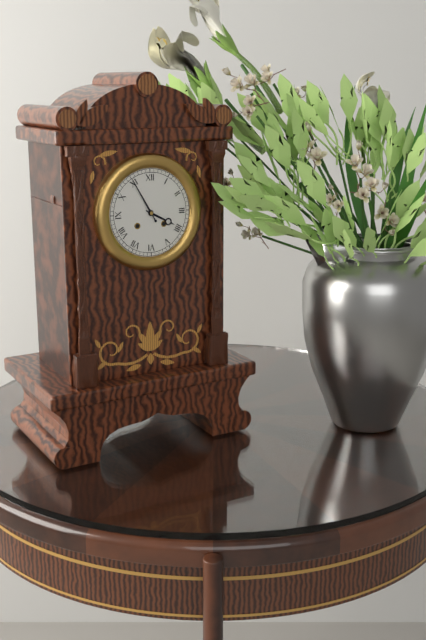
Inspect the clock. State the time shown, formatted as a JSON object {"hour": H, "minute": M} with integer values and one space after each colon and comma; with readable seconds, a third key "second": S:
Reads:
{"hour": 3, "minute": 55}
